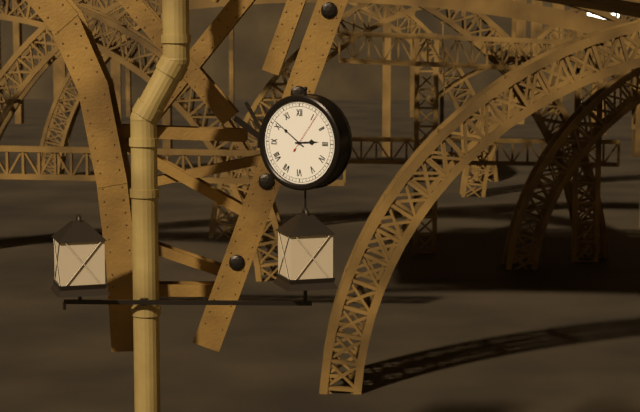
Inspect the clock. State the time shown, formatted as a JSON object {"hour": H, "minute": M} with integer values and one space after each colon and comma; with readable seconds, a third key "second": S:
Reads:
{"hour": 2, "minute": 51}
